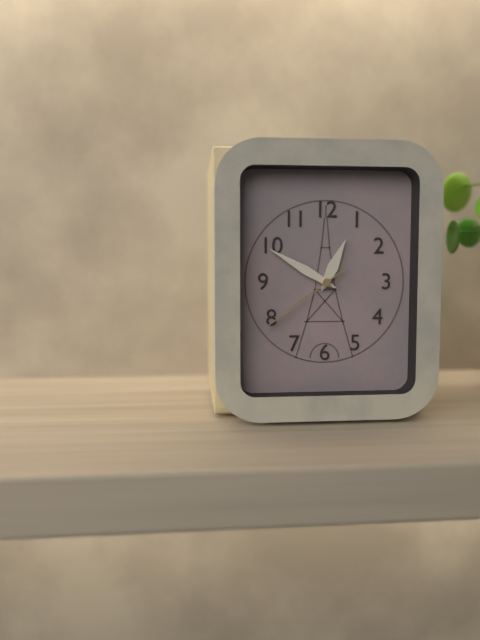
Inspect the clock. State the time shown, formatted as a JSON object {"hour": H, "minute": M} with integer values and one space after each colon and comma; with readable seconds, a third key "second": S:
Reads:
{"hour": 12, "minute": 50, "second": 39}
